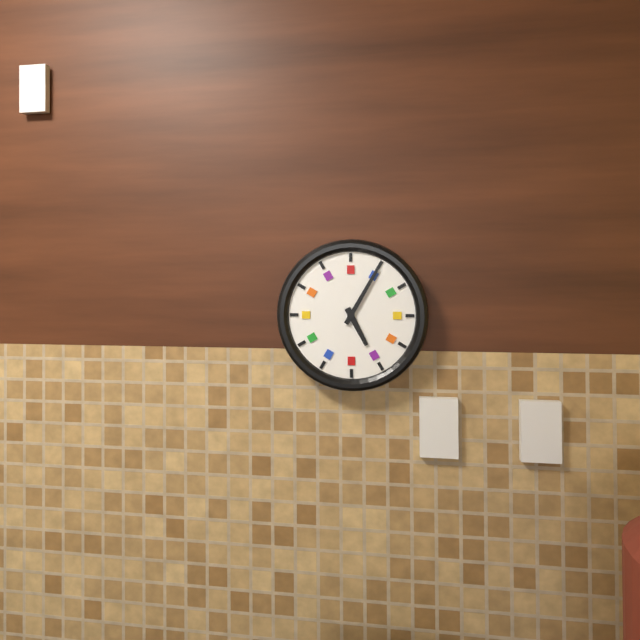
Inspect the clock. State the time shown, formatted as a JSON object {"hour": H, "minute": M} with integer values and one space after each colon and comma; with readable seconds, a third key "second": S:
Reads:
{"hour": 5, "minute": 5}
